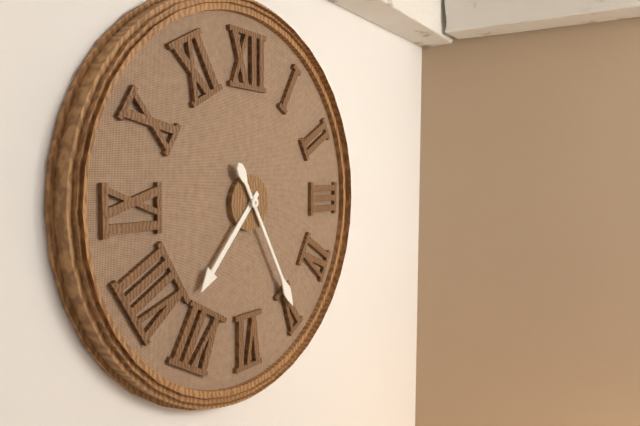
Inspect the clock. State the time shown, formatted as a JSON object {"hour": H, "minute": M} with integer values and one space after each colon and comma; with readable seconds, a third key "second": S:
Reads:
{"hour": 7, "minute": 25}
